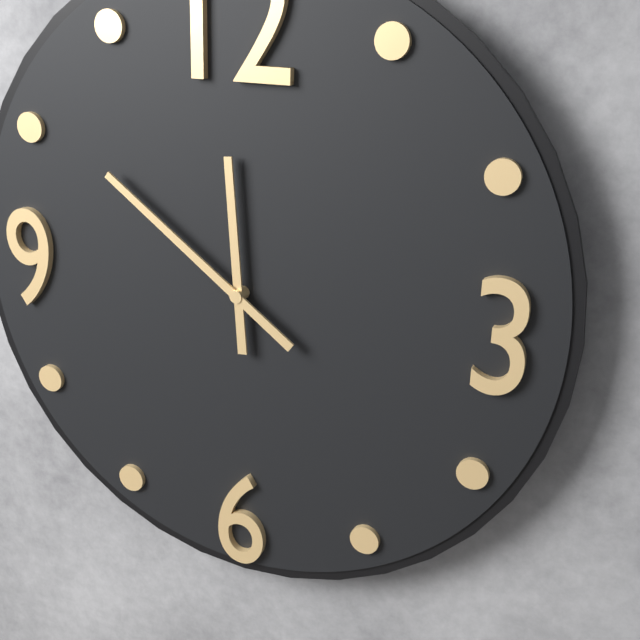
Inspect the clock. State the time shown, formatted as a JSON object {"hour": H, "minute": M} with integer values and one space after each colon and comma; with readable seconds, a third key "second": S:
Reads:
{"hour": 11, "minute": 51}
